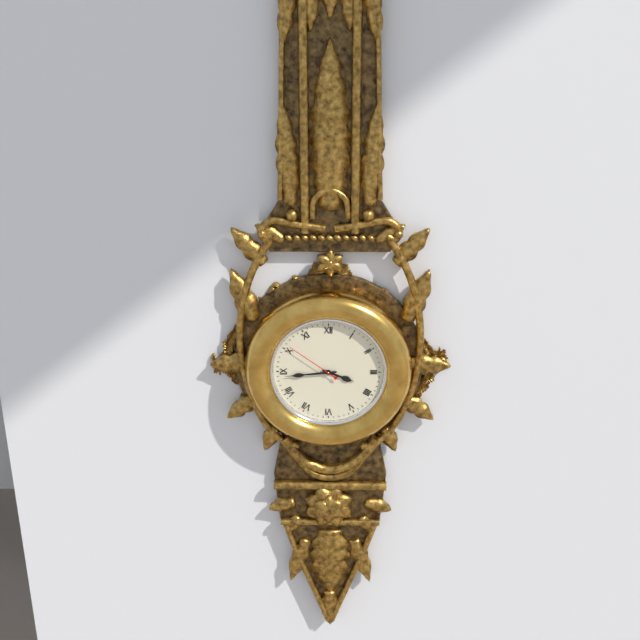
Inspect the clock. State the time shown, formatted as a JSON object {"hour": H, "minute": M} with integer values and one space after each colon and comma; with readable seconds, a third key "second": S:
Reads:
{"hour": 3, "minute": 44, "second": 51}
